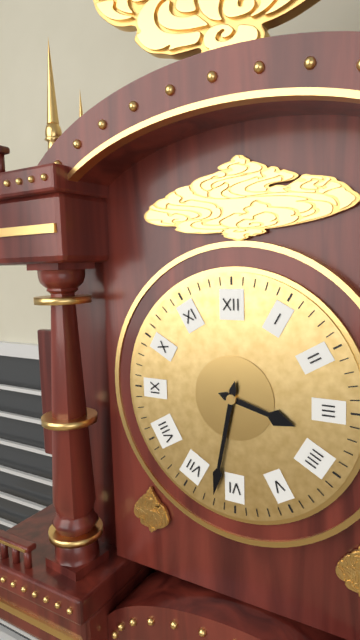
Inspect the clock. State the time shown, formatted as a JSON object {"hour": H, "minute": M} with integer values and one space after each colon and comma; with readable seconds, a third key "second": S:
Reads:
{"hour": 3, "minute": 32}
